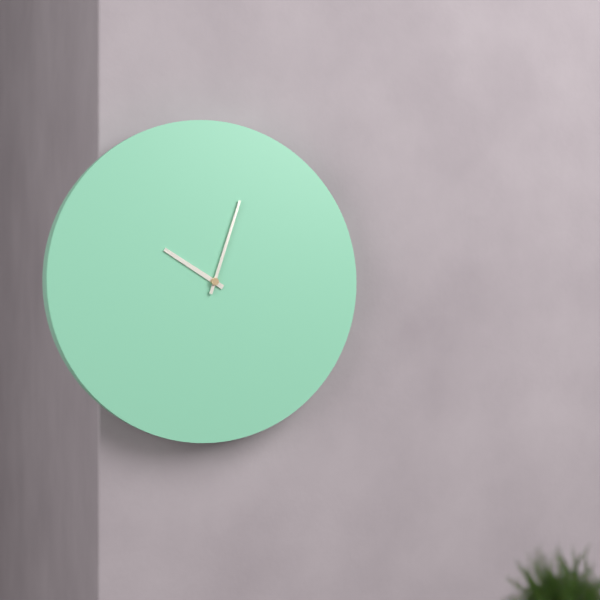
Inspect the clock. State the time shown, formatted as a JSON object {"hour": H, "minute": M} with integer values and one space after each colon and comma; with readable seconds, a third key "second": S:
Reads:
{"hour": 10, "minute": 3}
